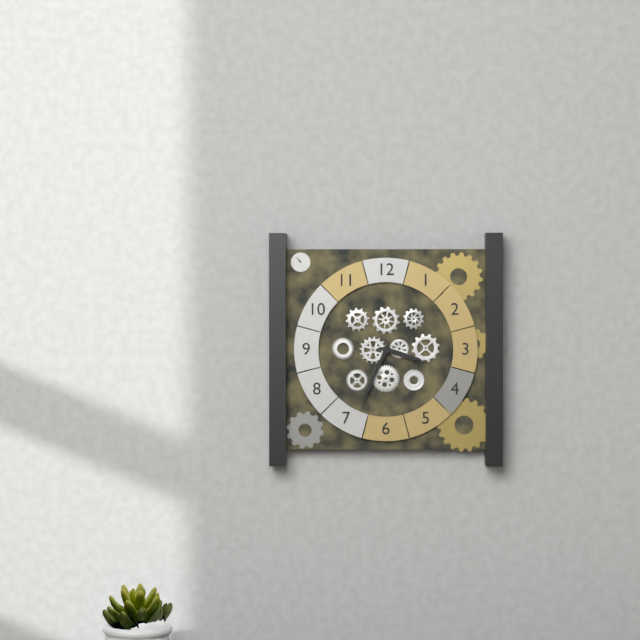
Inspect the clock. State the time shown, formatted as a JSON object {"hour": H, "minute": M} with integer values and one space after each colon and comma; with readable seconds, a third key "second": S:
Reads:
{"hour": 3, "minute": 34}
